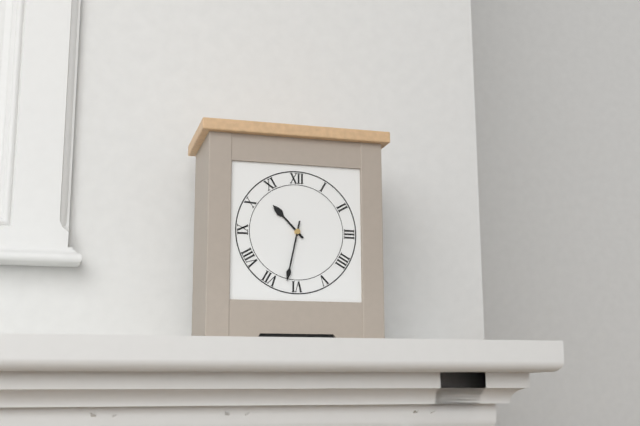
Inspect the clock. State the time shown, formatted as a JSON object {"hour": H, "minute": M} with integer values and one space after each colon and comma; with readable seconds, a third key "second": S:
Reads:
{"hour": 10, "minute": 32}
